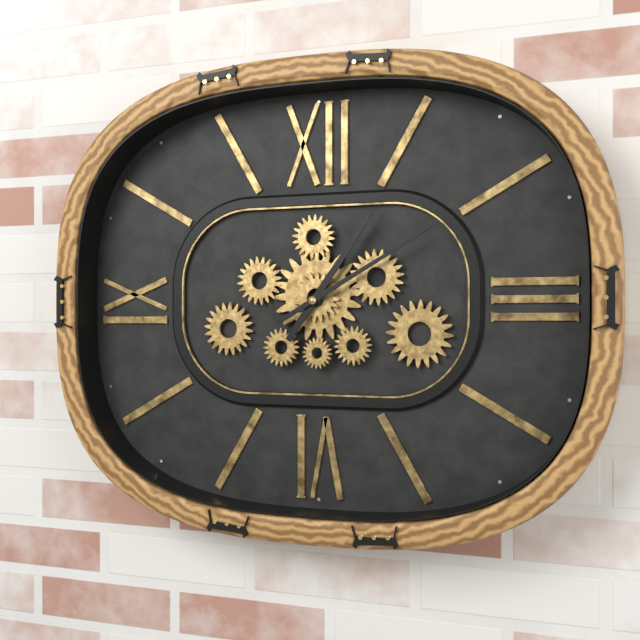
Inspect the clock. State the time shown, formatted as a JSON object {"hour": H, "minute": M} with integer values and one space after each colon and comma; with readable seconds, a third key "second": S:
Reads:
{"hour": 1, "minute": 10}
